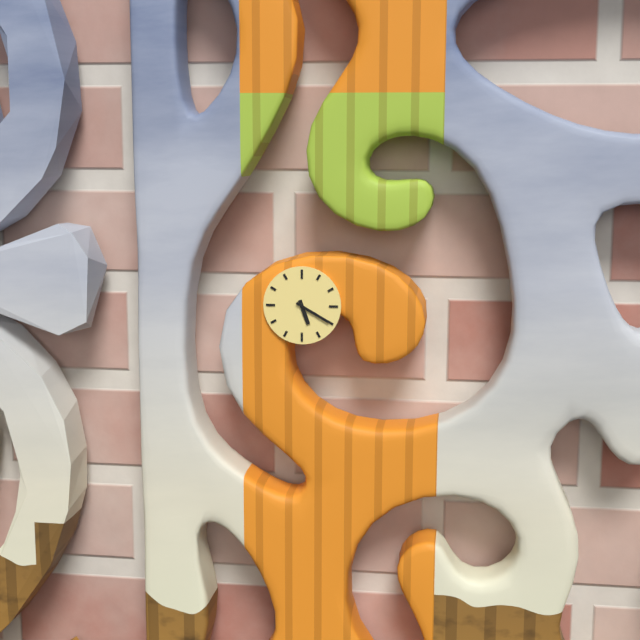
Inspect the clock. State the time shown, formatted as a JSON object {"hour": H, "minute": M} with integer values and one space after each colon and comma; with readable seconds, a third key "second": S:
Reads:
{"hour": 5, "minute": 20}
